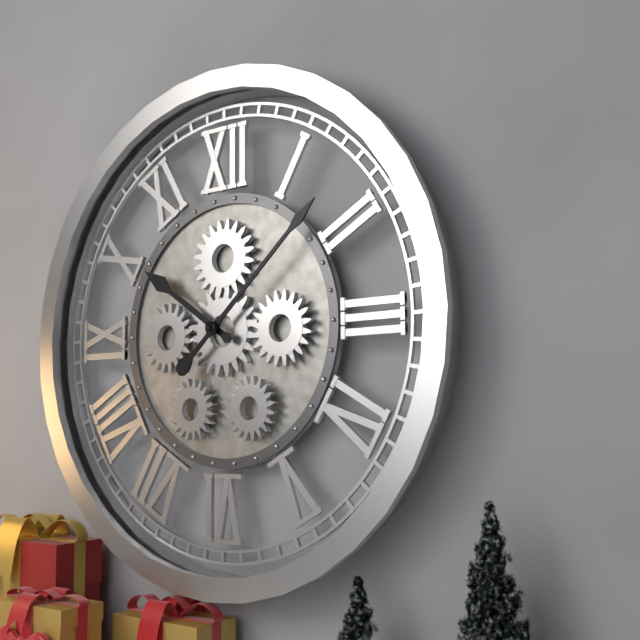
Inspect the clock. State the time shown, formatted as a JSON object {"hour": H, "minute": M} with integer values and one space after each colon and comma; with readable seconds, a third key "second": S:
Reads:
{"hour": 10, "minute": 8}
